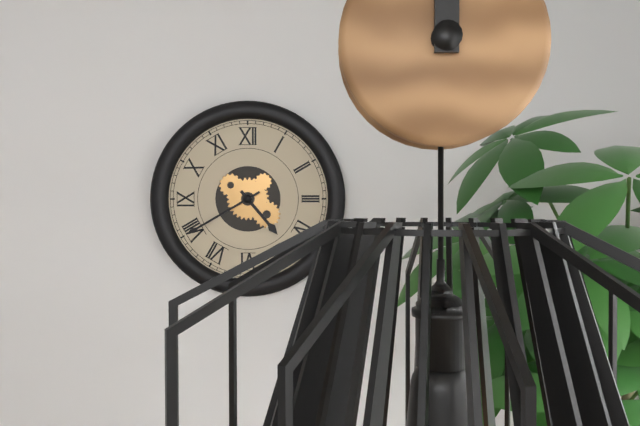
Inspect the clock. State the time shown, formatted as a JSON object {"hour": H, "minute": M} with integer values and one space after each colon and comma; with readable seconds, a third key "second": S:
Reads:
{"hour": 4, "minute": 40}
